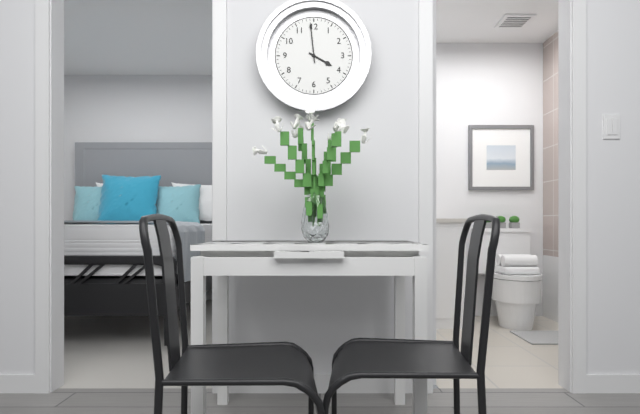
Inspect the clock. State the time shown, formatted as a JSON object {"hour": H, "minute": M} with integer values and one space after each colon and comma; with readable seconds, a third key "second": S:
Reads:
{"hour": 3, "minute": 59}
